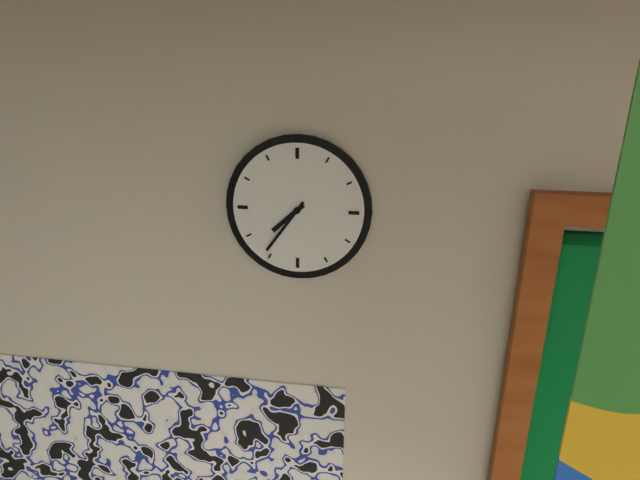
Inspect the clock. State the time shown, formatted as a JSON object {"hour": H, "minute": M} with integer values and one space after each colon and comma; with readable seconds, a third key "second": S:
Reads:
{"hour": 7, "minute": 36}
